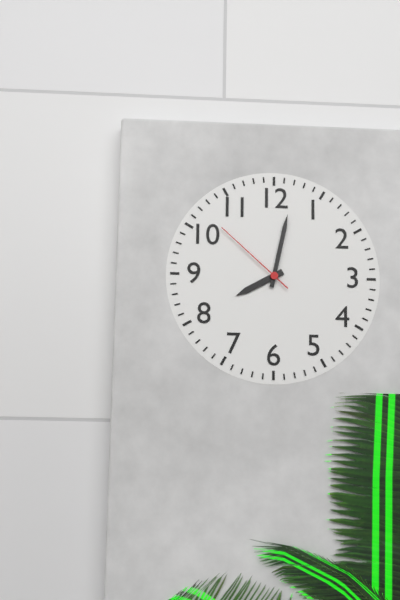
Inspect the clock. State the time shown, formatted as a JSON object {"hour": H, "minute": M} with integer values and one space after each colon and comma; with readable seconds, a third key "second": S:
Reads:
{"hour": 8, "minute": 2, "second": 52}
